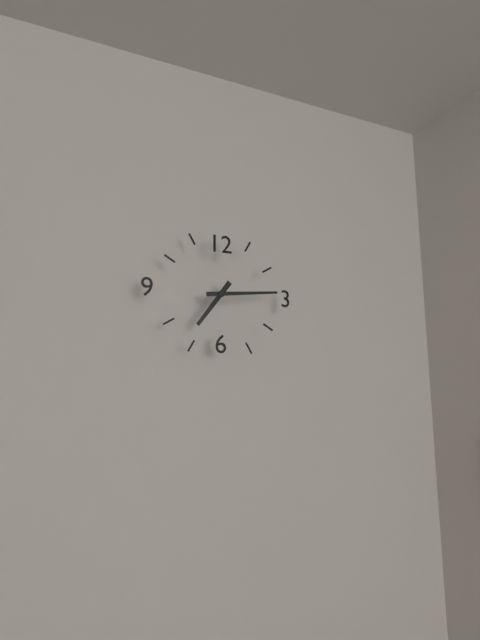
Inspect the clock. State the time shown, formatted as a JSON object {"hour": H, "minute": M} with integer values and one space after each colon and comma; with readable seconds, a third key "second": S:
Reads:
{"hour": 7, "minute": 14}
